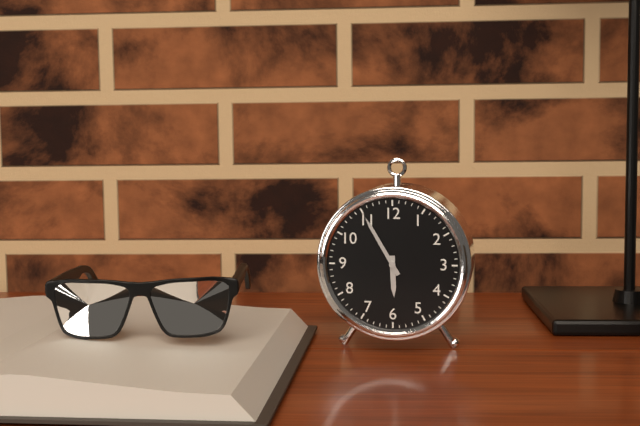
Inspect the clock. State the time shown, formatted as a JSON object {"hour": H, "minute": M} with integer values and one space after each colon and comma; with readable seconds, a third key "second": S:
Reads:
{"hour": 5, "minute": 55}
